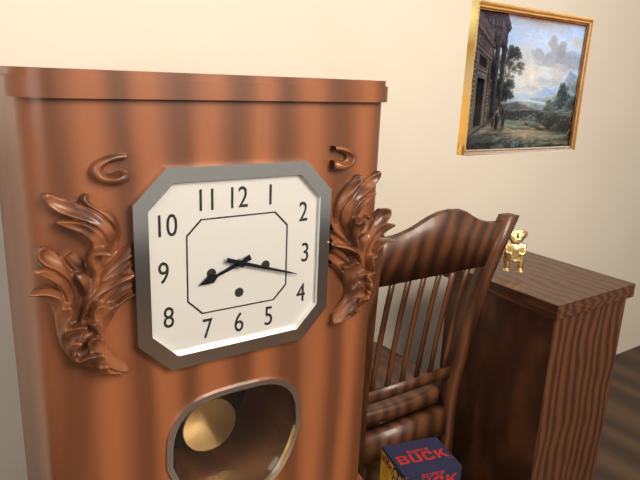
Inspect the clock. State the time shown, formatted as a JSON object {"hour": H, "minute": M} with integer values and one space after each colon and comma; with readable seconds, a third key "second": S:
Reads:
{"hour": 8, "minute": 18}
